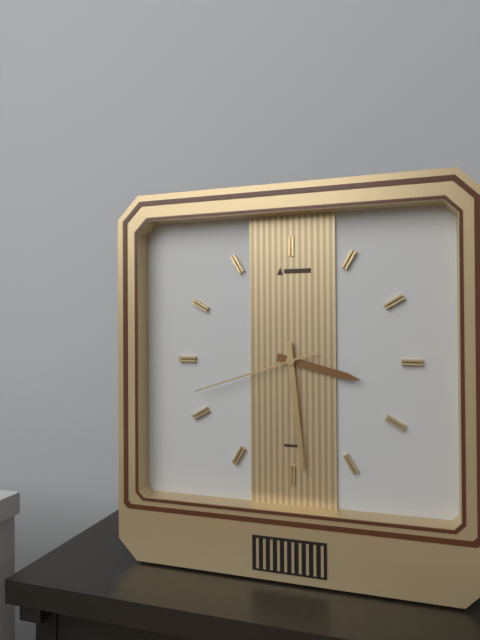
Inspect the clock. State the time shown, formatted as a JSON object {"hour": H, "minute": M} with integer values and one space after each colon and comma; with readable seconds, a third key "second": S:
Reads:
{"hour": 3, "minute": 29, "second": 42}
